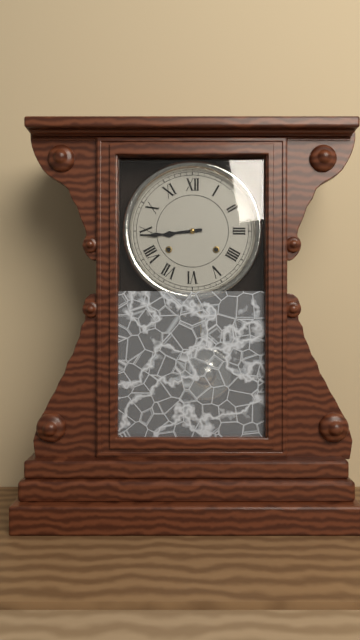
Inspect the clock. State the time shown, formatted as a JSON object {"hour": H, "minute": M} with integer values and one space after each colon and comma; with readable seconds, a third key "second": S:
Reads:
{"hour": 8, "minute": 44}
